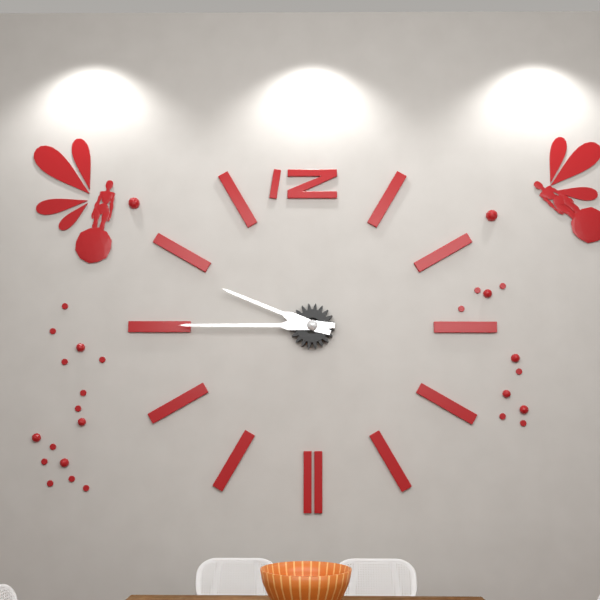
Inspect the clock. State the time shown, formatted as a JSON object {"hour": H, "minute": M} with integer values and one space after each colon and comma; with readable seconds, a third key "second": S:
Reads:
{"hour": 9, "minute": 45}
